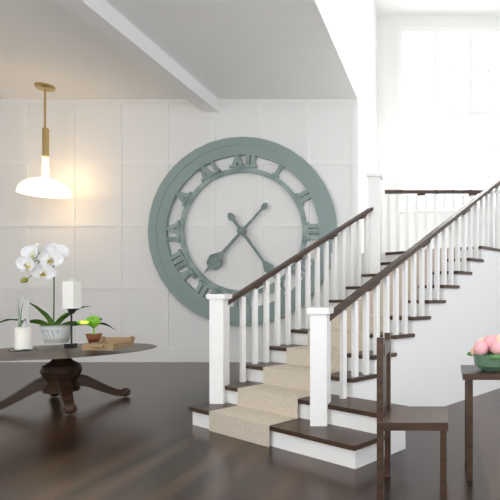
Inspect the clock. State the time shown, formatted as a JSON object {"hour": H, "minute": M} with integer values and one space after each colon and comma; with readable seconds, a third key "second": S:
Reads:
{"hour": 7, "minute": 24}
